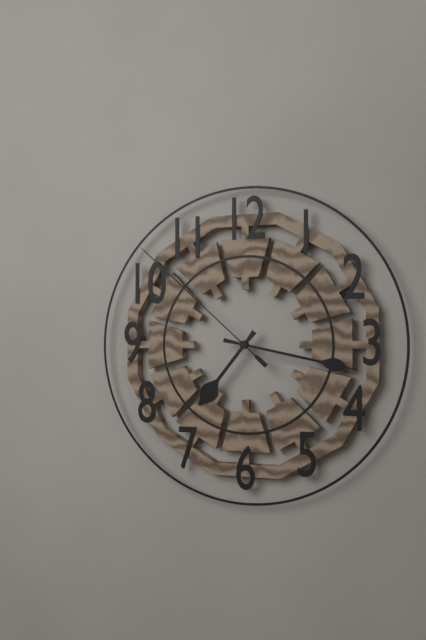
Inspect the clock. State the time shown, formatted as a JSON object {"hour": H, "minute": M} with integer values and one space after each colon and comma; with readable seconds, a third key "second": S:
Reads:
{"hour": 7, "minute": 17, "second": 52}
